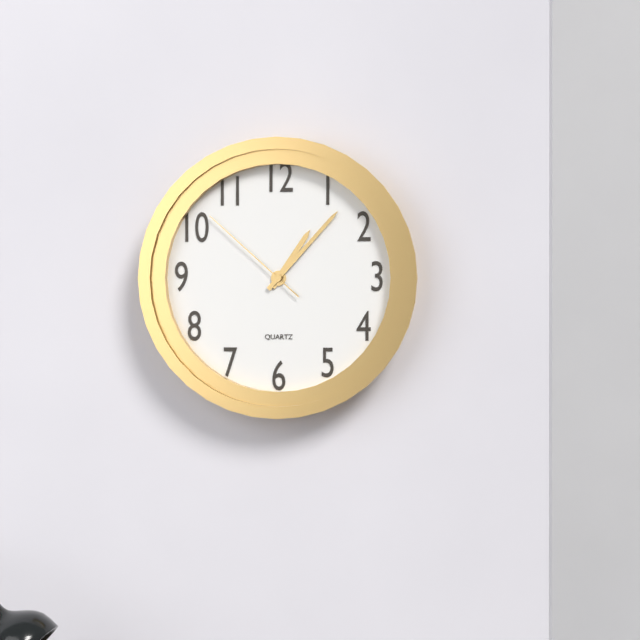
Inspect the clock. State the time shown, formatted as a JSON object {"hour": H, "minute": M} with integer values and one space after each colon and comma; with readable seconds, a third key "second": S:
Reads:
{"hour": 1, "minute": 7, "second": 52}
